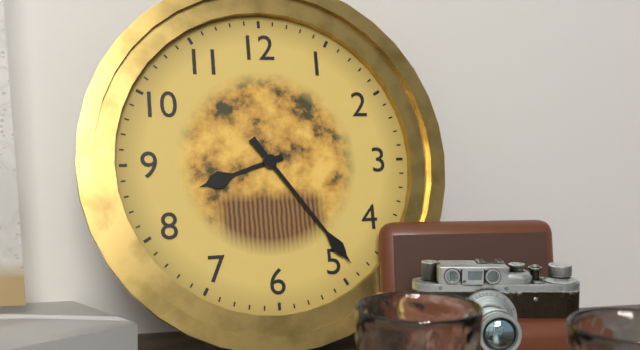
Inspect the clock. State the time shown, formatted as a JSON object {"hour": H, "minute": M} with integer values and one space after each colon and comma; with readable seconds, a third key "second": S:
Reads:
{"hour": 8, "minute": 24}
